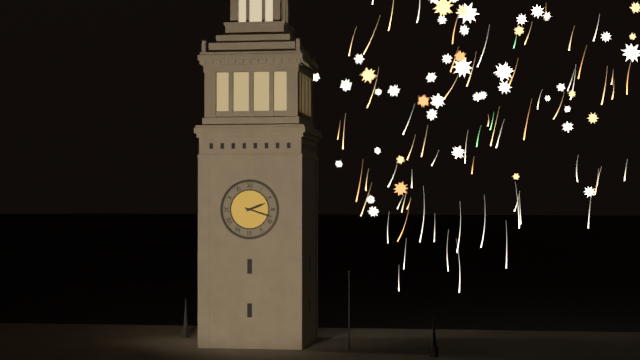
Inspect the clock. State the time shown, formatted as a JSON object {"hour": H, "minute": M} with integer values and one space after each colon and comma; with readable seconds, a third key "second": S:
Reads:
{"hour": 2, "minute": 18}
